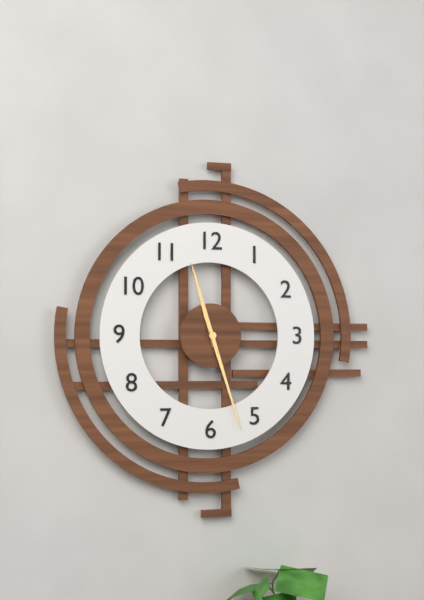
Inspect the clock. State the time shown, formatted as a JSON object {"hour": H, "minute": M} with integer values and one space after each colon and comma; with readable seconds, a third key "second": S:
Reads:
{"hour": 11, "minute": 27}
